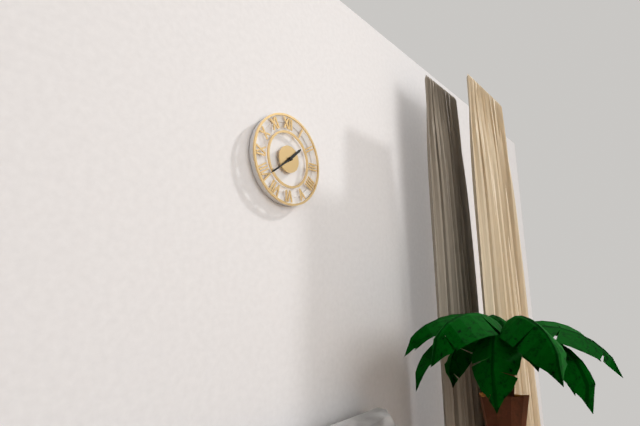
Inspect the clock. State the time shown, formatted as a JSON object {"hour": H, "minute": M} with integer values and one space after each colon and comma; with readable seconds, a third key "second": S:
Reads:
{"hour": 1, "minute": 39}
